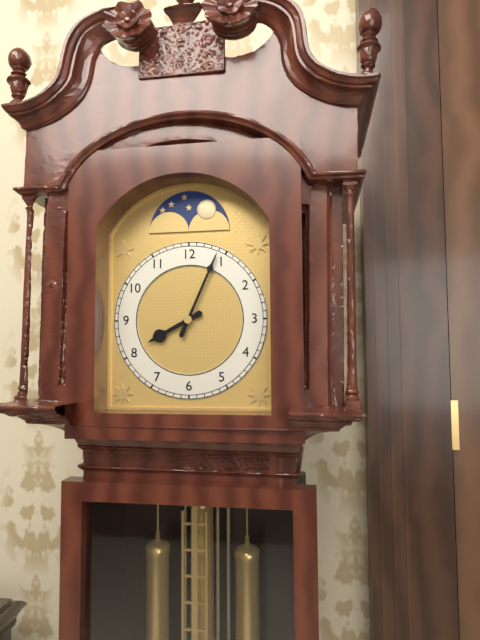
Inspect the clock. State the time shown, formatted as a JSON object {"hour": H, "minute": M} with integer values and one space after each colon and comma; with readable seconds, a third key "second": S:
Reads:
{"hour": 8, "minute": 4}
